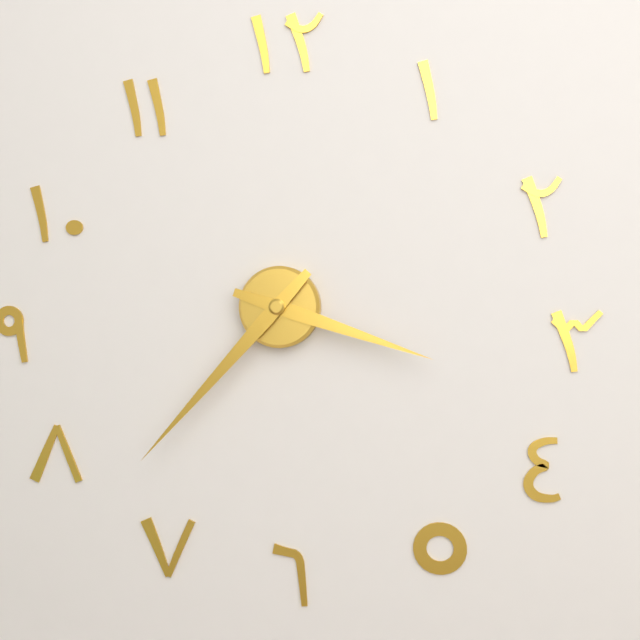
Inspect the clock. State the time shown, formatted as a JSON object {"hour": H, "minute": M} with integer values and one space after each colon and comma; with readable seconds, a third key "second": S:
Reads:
{"hour": 3, "minute": 37}
